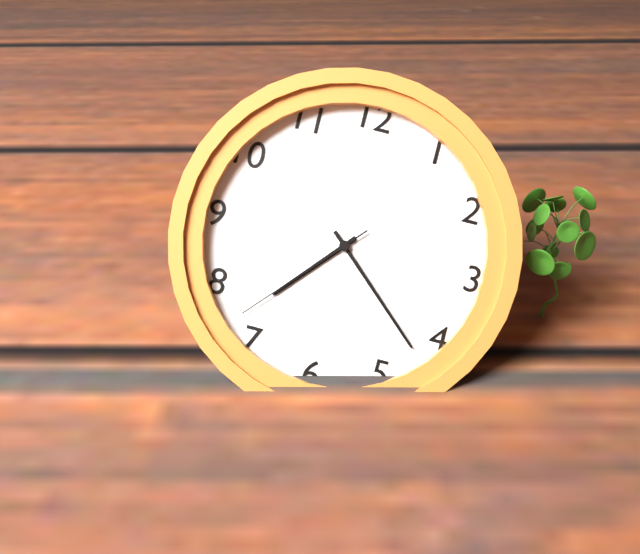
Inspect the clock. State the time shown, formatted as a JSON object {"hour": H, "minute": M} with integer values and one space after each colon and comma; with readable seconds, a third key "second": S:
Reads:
{"hour": 7, "minute": 22, "second": 37}
